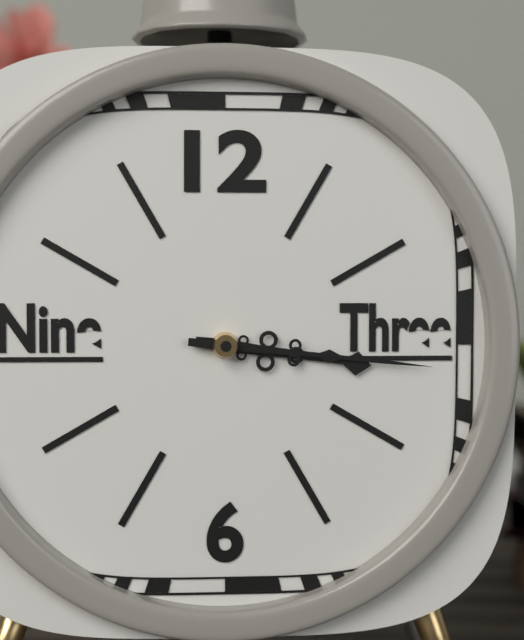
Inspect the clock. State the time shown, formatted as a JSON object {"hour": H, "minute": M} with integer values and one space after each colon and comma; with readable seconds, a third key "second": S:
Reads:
{"hour": 3, "minute": 16}
